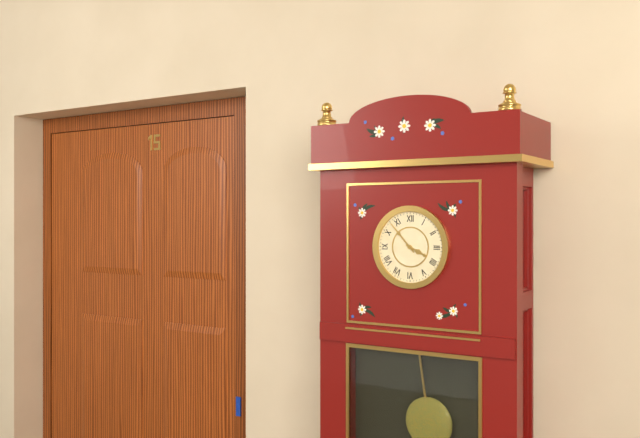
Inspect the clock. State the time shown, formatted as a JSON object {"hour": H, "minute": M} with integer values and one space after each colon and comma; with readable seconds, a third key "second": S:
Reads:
{"hour": 3, "minute": 53}
